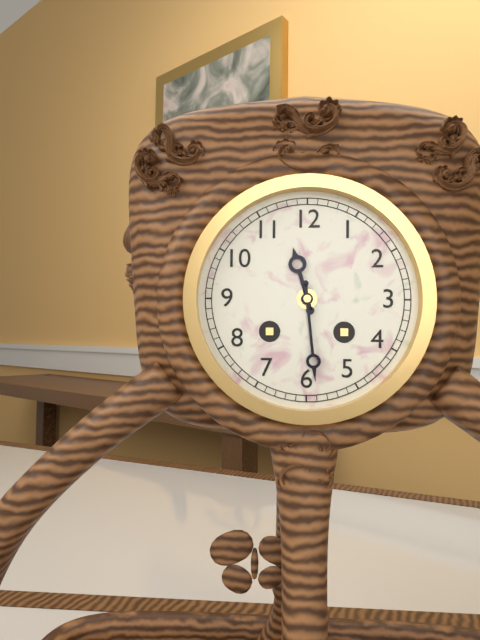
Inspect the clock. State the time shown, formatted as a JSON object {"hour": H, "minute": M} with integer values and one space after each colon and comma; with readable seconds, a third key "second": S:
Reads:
{"hour": 11, "minute": 29}
